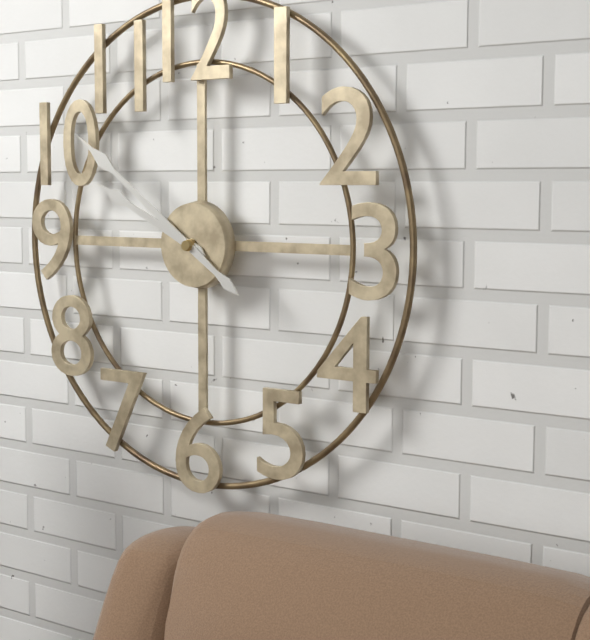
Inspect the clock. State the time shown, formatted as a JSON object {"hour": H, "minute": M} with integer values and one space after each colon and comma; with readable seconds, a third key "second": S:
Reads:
{"hour": 9, "minute": 51}
